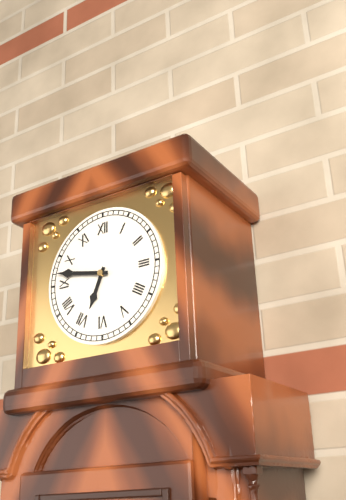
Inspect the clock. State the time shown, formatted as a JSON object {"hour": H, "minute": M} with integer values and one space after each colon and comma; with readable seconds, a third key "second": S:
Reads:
{"hour": 6, "minute": 47}
